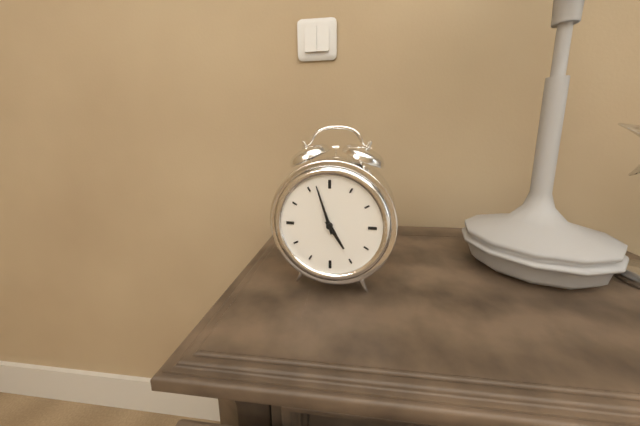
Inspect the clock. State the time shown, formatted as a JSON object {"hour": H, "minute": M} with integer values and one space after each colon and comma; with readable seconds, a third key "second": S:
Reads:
{"hour": 4, "minute": 57}
